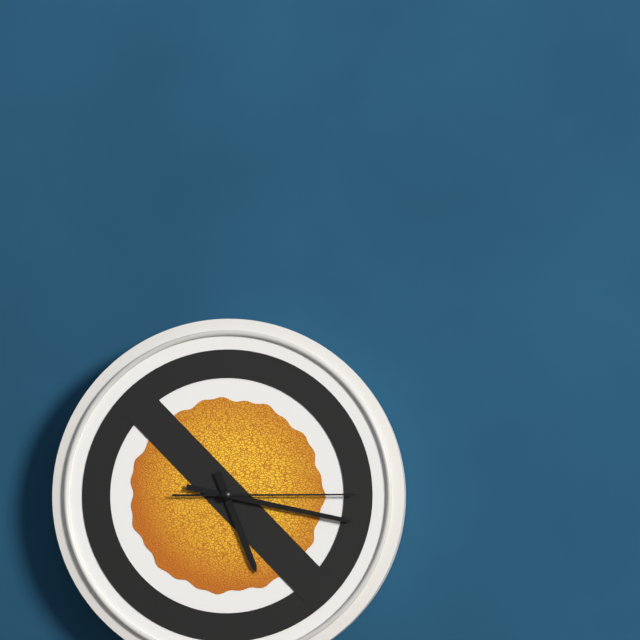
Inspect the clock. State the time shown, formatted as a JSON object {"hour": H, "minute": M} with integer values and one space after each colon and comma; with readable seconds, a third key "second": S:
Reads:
{"hour": 5, "minute": 17, "second": 15}
